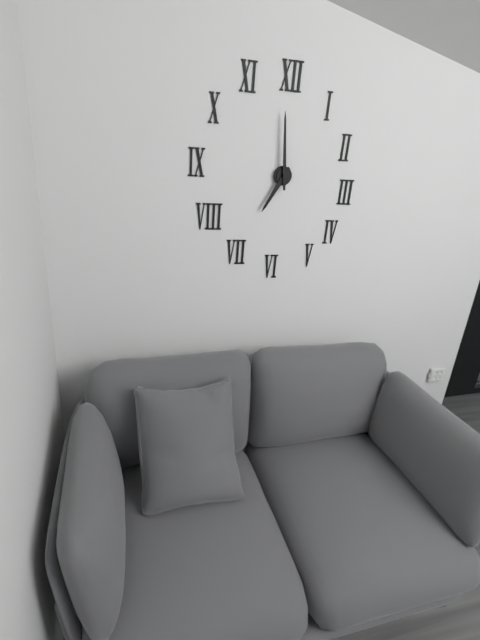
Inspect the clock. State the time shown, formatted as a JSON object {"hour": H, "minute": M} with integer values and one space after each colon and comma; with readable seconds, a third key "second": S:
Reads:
{"hour": 6, "minute": 59}
